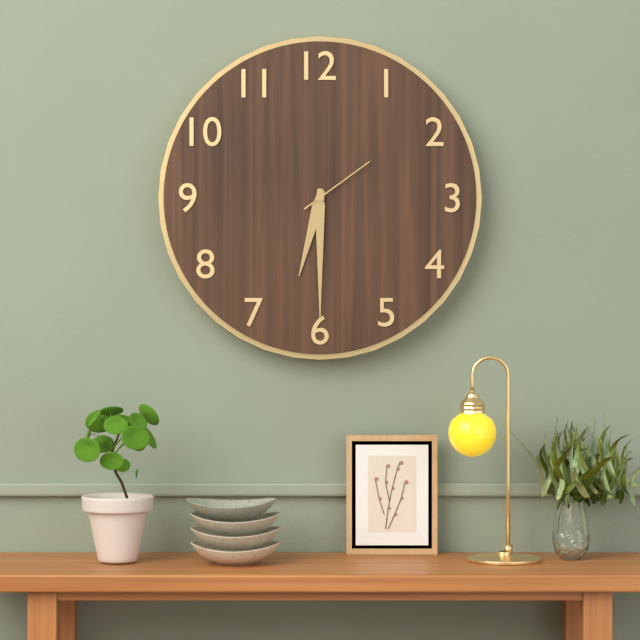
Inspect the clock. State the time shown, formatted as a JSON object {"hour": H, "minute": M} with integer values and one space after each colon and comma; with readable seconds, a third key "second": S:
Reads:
{"hour": 6, "minute": 30, "second": 9}
